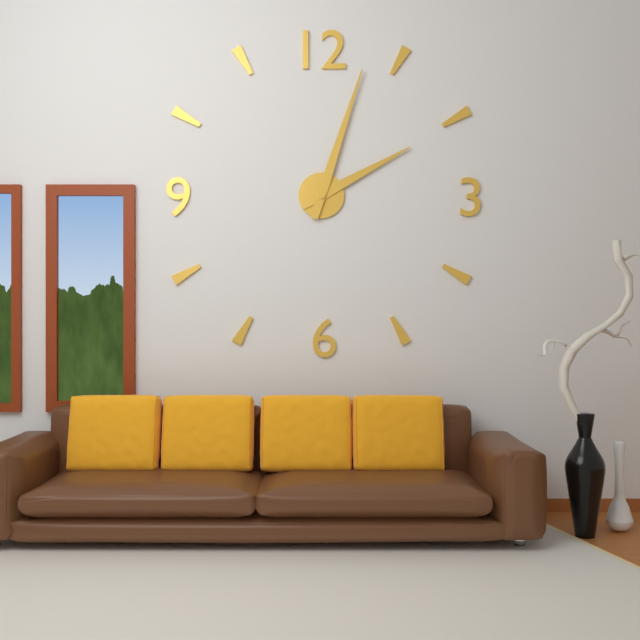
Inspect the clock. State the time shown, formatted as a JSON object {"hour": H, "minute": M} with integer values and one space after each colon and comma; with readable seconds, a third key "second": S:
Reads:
{"hour": 2, "minute": 3}
